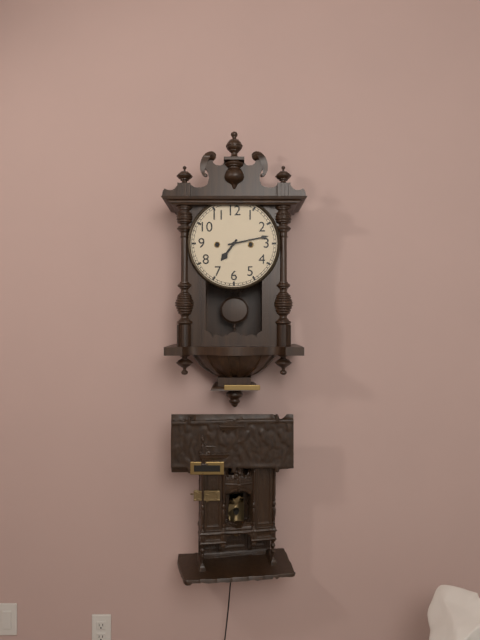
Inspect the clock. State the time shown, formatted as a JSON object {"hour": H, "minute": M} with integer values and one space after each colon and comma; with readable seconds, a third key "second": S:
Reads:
{"hour": 7, "minute": 13}
